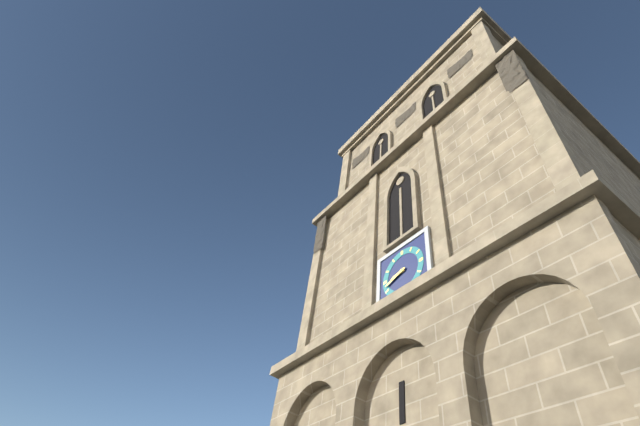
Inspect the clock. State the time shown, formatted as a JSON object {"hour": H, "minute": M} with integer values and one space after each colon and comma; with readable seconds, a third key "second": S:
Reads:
{"hour": 8, "minute": 42}
